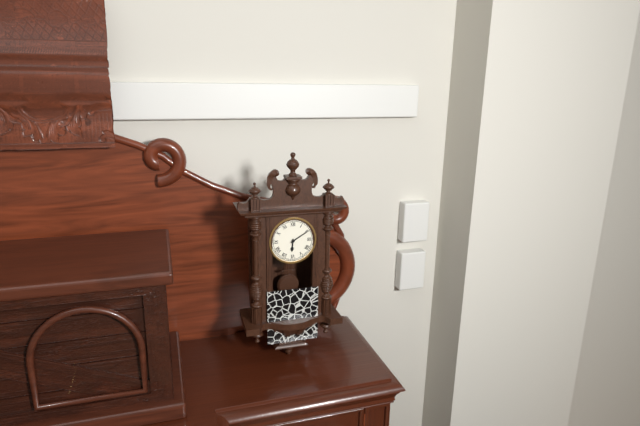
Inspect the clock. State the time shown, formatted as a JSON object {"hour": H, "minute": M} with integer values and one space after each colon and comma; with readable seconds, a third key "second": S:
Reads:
{"hour": 6, "minute": 10}
